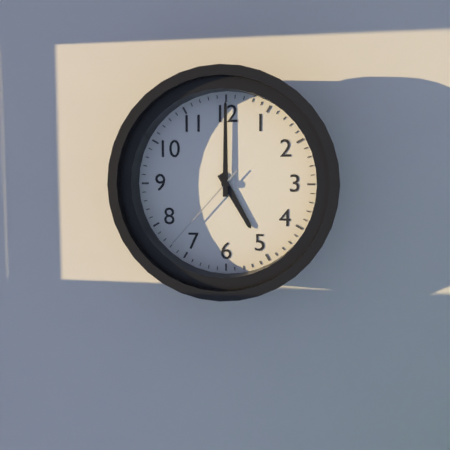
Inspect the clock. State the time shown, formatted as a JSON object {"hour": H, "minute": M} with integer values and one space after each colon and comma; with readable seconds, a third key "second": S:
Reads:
{"hour": 5, "minute": 0, "second": 37}
